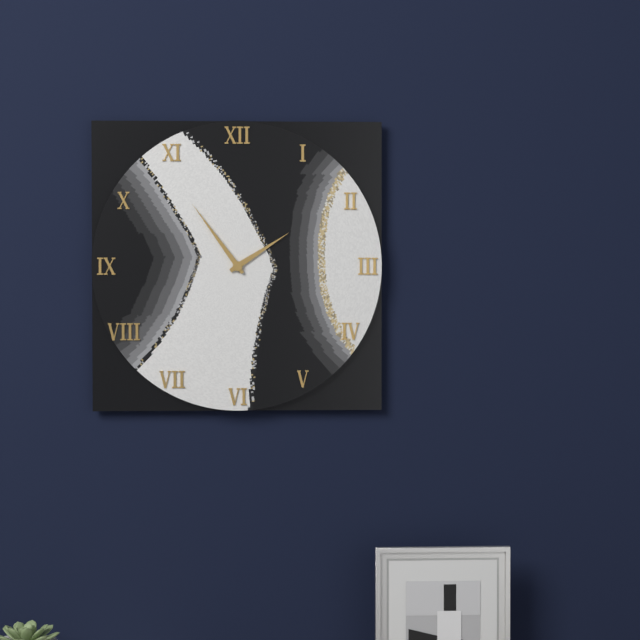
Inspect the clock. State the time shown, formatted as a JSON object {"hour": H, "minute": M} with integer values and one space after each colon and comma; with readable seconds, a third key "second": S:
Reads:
{"hour": 1, "minute": 54}
